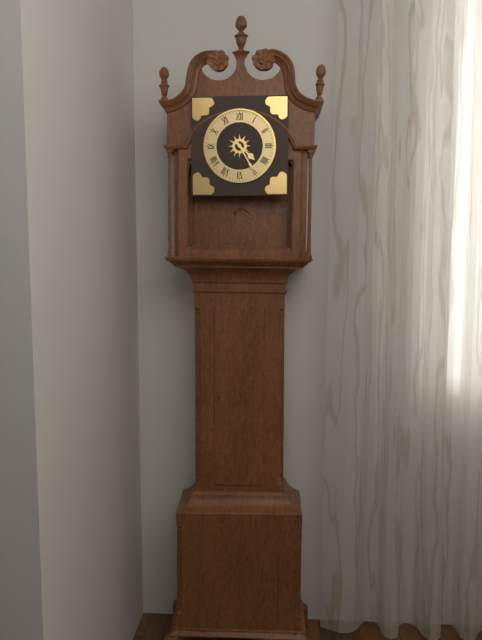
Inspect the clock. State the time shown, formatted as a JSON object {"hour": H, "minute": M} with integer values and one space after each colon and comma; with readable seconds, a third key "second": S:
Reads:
{"hour": 4, "minute": 25}
